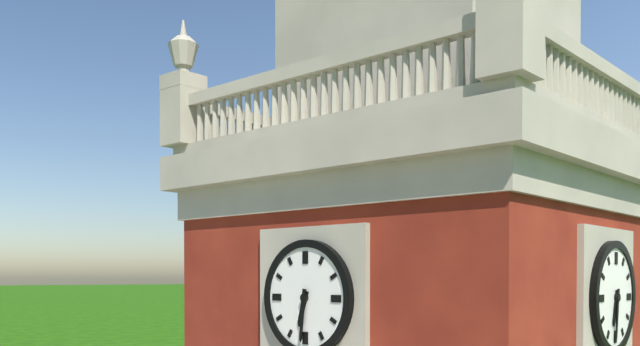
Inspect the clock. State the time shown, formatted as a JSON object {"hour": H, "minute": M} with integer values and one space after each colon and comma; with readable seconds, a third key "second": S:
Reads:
{"hour": 6, "minute": 31}
